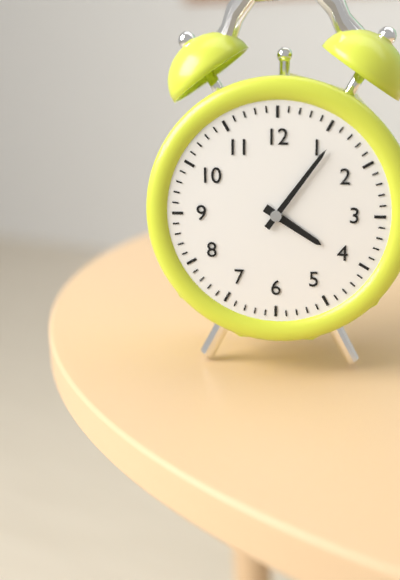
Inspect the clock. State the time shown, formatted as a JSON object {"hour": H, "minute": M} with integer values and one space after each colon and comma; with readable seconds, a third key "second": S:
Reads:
{"hour": 4, "minute": 6}
